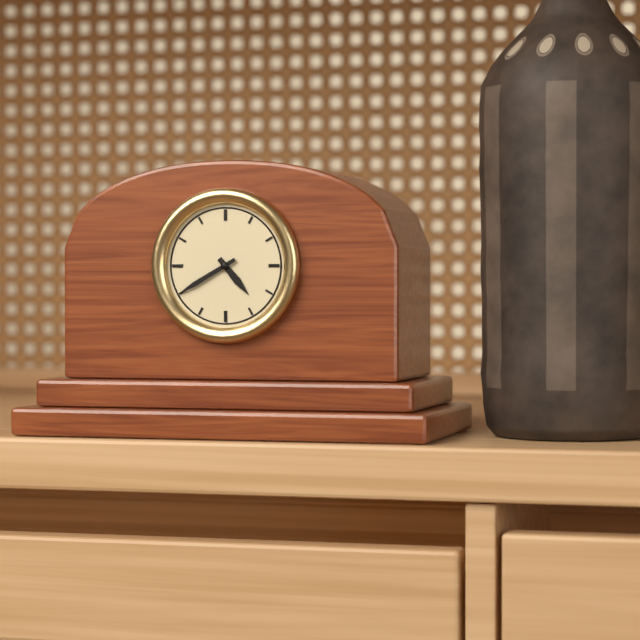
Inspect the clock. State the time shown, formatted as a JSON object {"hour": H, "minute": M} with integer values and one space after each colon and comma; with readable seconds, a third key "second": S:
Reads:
{"hour": 4, "minute": 40}
